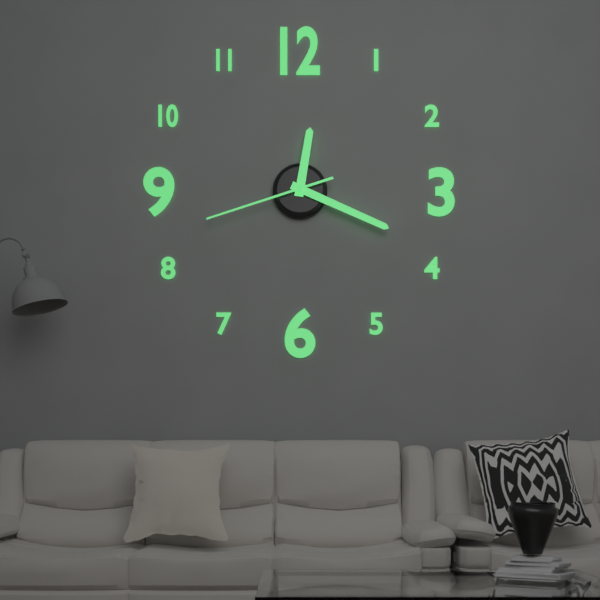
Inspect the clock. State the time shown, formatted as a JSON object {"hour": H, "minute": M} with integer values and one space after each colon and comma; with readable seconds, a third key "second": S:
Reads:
{"hour": 12, "minute": 19, "second": 42}
